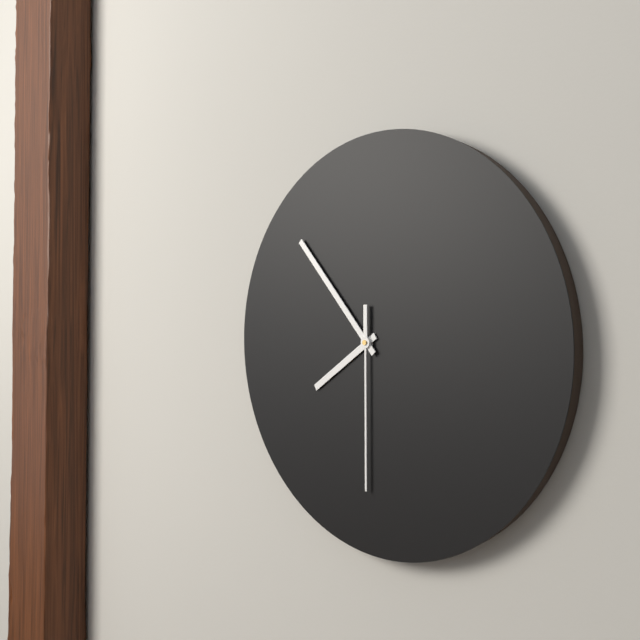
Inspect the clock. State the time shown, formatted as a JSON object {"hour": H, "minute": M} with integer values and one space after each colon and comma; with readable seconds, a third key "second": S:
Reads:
{"hour": 7, "minute": 53, "second": 30}
